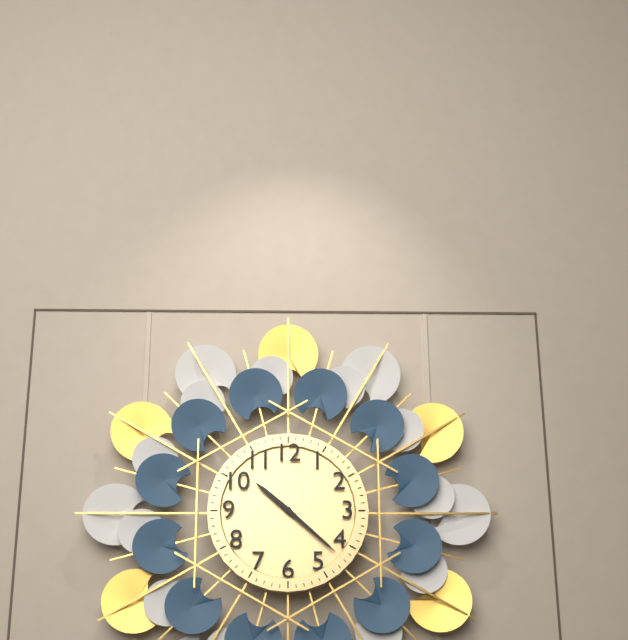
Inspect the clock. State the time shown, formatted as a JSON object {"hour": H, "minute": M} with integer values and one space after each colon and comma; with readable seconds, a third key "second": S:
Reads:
{"hour": 10, "minute": 22}
